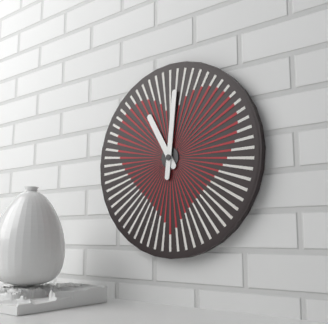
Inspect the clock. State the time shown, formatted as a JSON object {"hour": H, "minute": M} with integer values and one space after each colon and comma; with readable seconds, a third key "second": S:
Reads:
{"hour": 11, "minute": 1}
